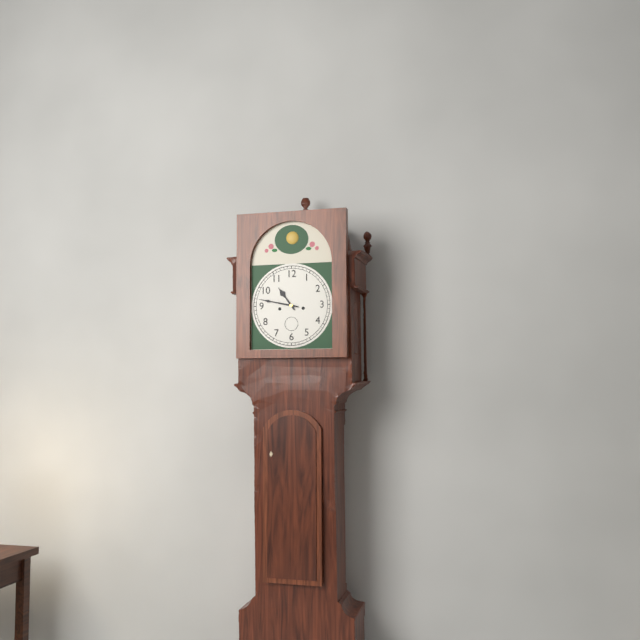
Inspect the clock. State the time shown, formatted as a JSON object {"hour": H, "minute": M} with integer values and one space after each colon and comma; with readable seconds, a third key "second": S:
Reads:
{"hour": 10, "minute": 47}
